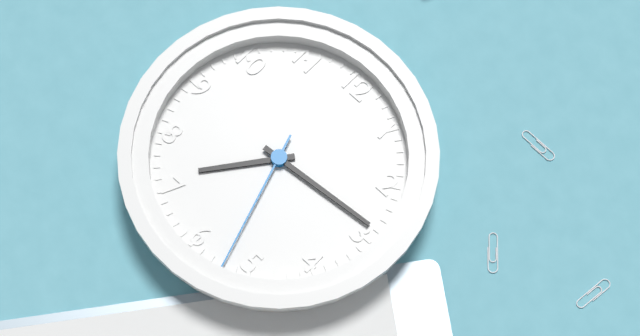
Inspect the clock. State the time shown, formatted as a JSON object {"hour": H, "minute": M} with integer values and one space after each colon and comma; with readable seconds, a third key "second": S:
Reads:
{"hour": 7, "minute": 14, "second": 27}
